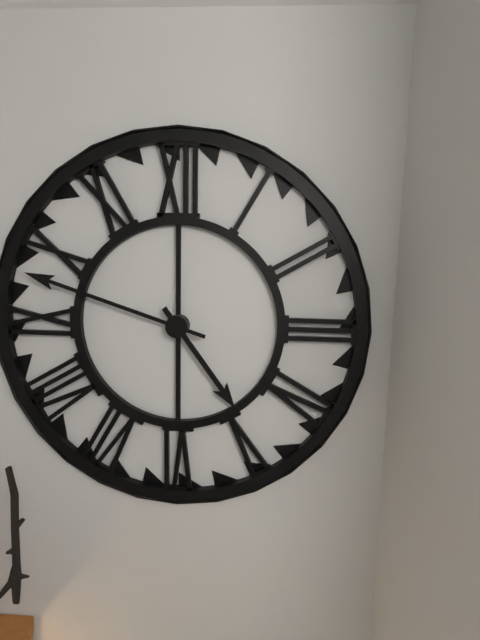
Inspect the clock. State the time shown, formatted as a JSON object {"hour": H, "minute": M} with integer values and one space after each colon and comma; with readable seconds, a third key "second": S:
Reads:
{"hour": 4, "minute": 48}
